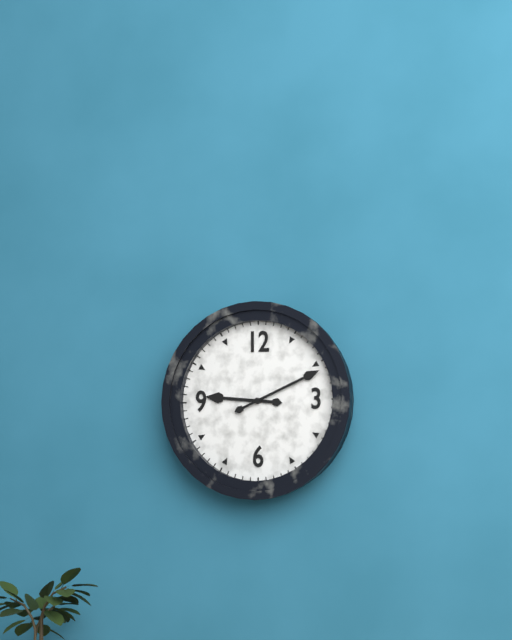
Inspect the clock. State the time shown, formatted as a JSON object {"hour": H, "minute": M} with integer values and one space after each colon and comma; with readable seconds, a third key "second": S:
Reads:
{"hour": 9, "minute": 11}
